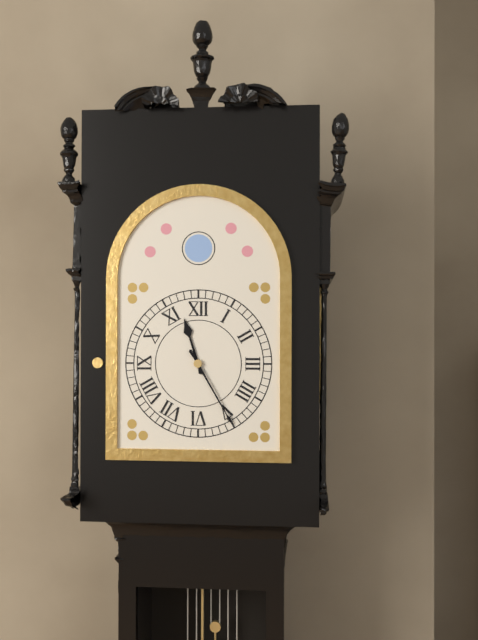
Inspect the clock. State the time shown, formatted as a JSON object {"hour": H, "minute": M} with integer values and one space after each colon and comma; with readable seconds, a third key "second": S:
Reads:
{"hour": 11, "minute": 25}
